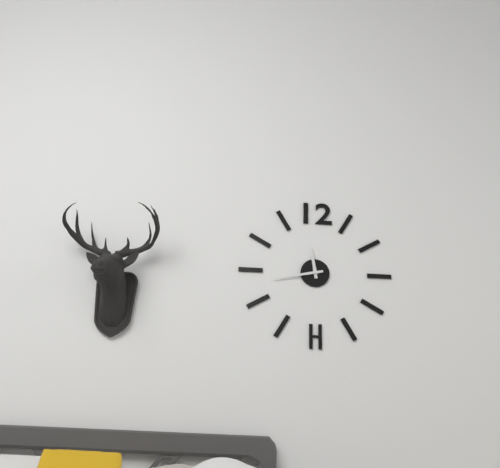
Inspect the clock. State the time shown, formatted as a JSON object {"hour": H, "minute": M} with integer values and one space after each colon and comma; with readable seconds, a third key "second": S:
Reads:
{"hour": 11, "minute": 43}
